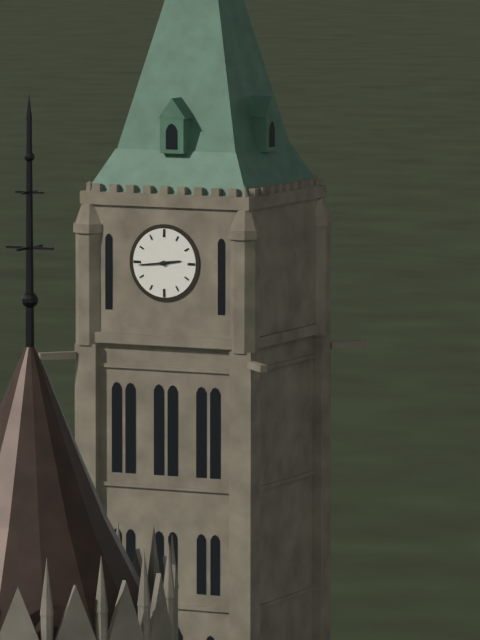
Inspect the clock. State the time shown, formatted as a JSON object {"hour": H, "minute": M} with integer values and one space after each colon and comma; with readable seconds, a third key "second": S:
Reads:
{"hour": 2, "minute": 44}
